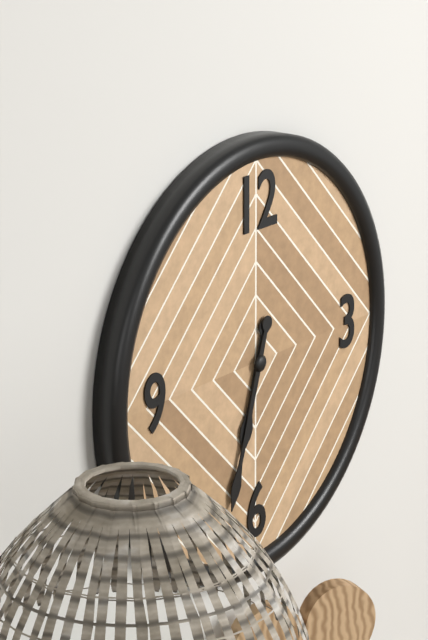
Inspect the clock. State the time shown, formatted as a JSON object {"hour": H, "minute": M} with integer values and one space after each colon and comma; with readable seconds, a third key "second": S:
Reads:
{"hour": 6, "minute": 33}
